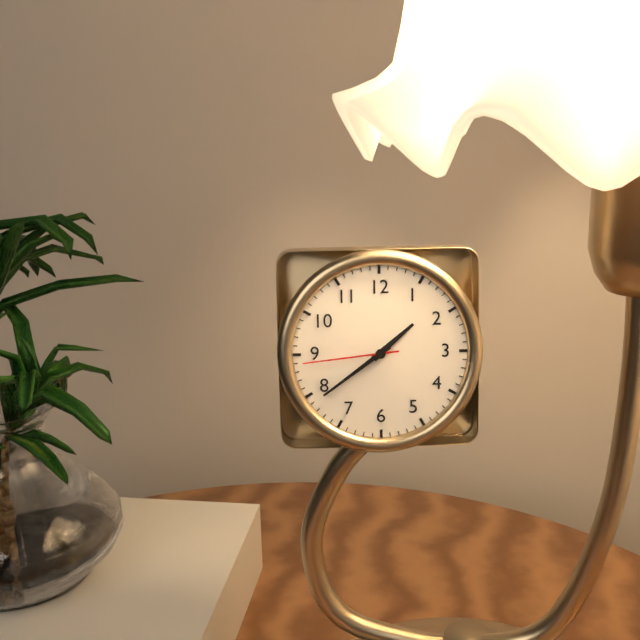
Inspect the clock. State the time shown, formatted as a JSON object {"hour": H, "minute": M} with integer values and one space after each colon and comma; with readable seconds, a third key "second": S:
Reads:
{"hour": 1, "minute": 39, "second": 44}
